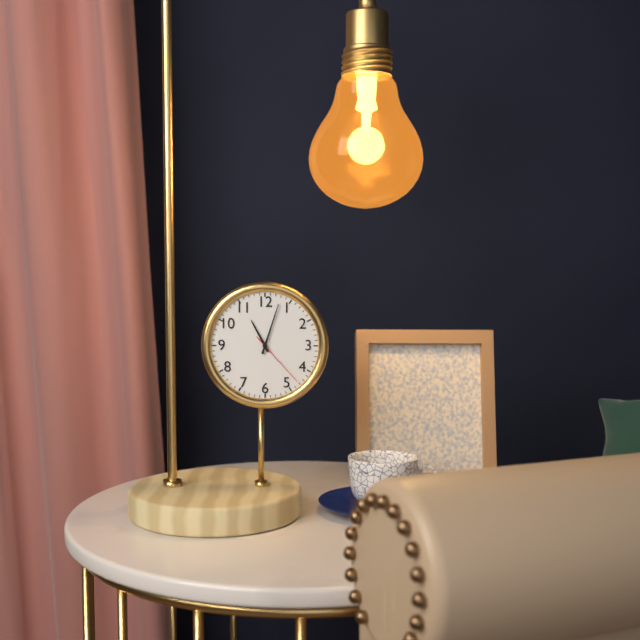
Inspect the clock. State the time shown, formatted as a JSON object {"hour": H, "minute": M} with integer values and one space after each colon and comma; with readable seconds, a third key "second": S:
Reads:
{"hour": 11, "minute": 3, "second": 23}
